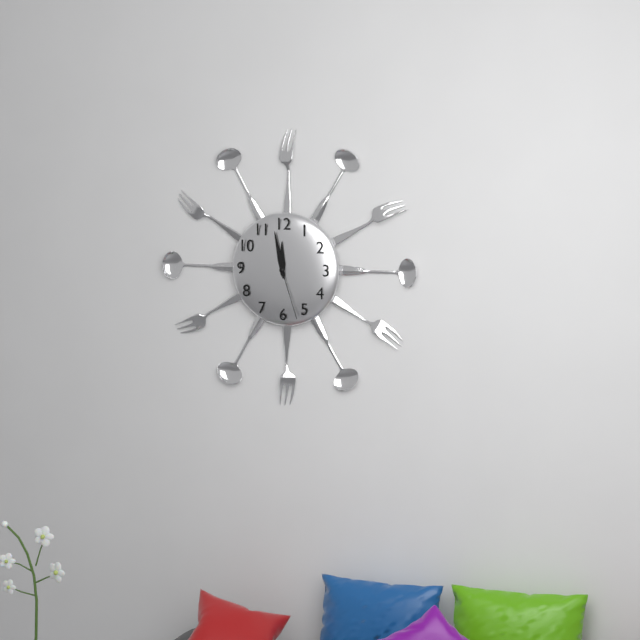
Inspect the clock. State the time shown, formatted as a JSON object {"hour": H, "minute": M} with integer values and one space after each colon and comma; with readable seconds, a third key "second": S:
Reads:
{"hour": 11, "minute": 58, "second": 27}
